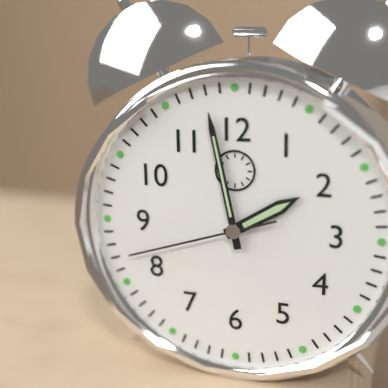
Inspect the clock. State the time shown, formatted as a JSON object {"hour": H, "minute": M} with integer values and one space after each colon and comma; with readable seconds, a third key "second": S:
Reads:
{"hour": 1, "minute": 58, "second": 42}
